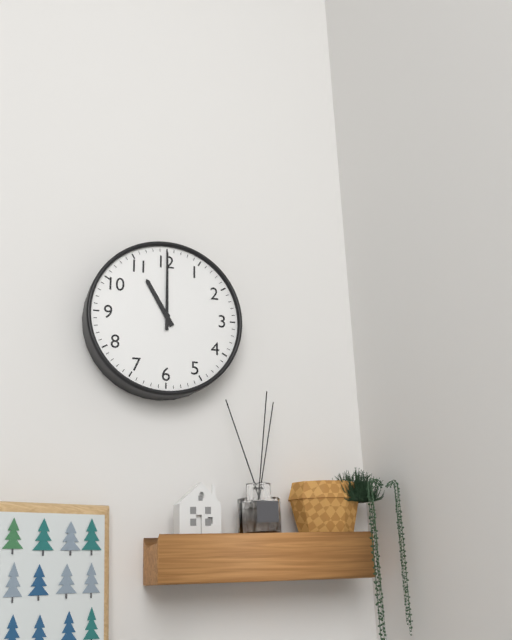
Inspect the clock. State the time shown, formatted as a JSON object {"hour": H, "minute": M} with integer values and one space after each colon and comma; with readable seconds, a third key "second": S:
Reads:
{"hour": 11, "minute": 0}
